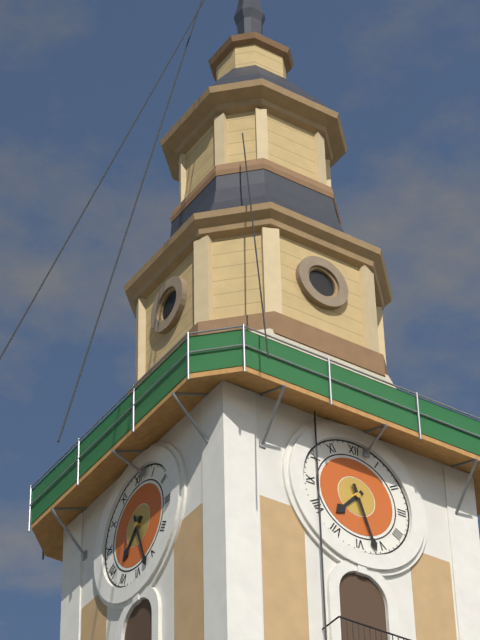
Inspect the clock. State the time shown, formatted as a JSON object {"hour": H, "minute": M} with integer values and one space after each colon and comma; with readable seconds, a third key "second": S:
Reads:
{"hour": 7, "minute": 27}
